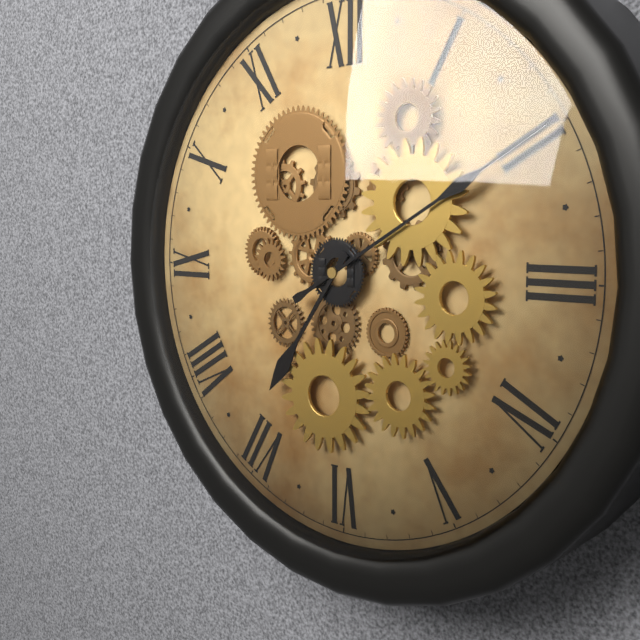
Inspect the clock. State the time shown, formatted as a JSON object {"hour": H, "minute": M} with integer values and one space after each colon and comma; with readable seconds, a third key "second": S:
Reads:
{"hour": 7, "minute": 10}
